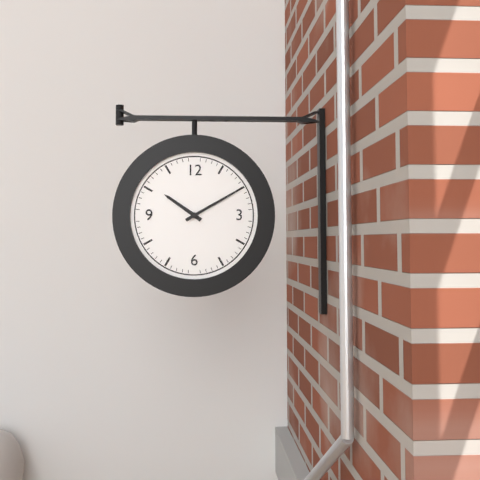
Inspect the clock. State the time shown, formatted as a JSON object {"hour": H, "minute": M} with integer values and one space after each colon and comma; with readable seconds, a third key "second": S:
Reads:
{"hour": 10, "minute": 10}
